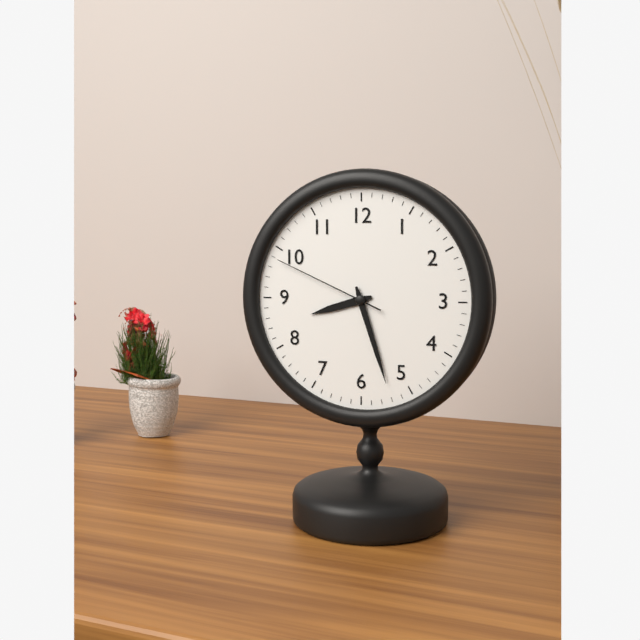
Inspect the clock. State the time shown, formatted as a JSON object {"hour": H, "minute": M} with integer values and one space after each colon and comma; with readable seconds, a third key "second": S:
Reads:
{"hour": 8, "minute": 27, "second": 49}
